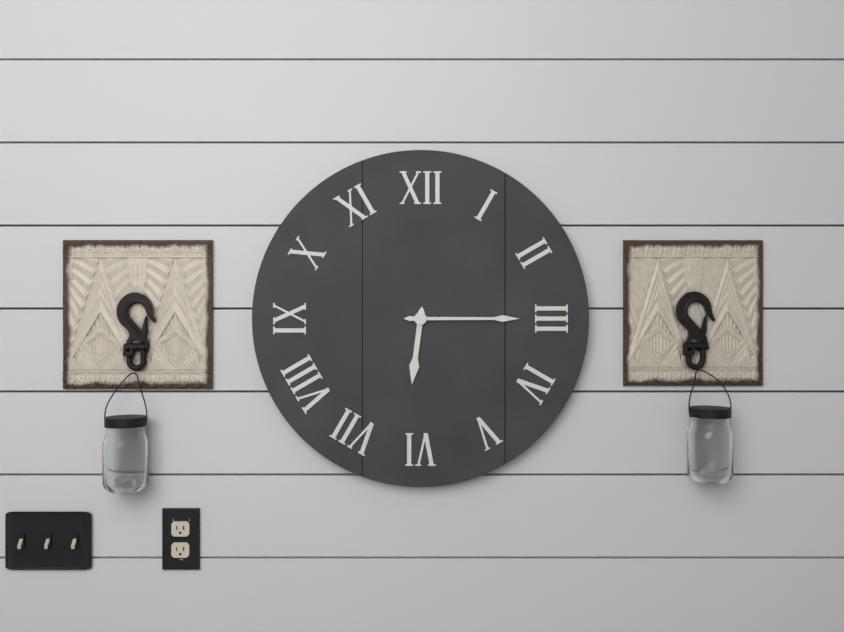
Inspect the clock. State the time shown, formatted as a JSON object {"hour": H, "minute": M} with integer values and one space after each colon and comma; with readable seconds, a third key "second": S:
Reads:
{"hour": 6, "minute": 15}
